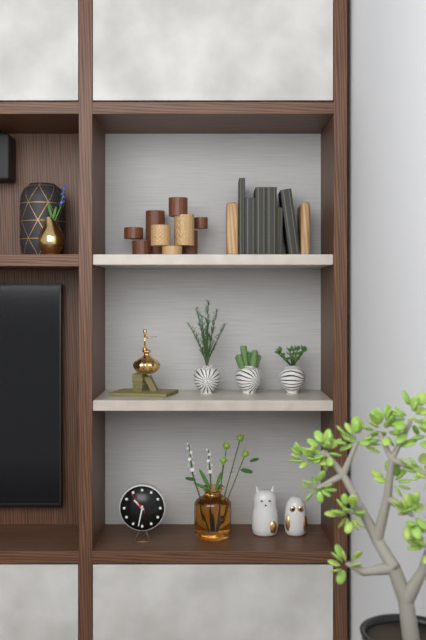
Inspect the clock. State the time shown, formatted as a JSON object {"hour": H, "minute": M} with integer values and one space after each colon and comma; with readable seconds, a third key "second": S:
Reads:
{"hour": 10, "minute": 32}
